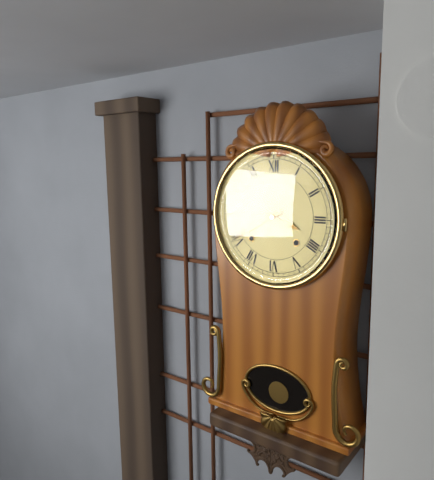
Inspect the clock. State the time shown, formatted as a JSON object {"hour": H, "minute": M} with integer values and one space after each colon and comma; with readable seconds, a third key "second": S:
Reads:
{"hour": 3, "minute": 40}
